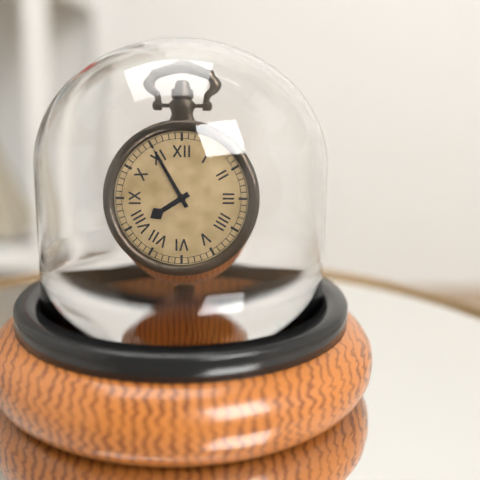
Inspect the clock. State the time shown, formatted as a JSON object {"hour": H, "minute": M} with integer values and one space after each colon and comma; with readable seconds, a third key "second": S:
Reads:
{"hour": 7, "minute": 55}
